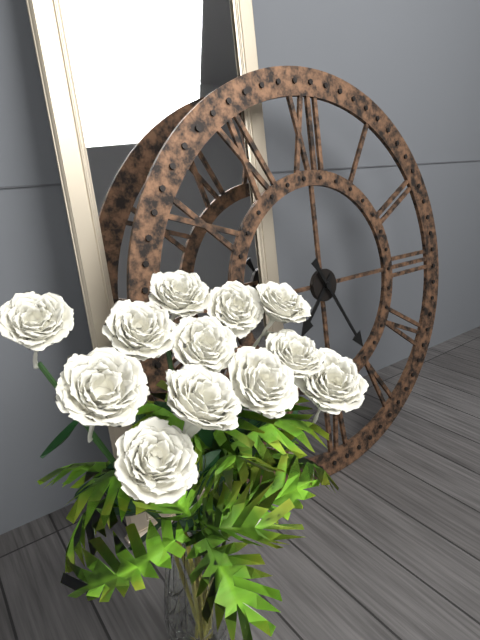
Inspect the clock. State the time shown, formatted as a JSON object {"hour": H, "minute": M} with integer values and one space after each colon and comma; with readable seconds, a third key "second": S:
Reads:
{"hour": 7, "minute": 25}
